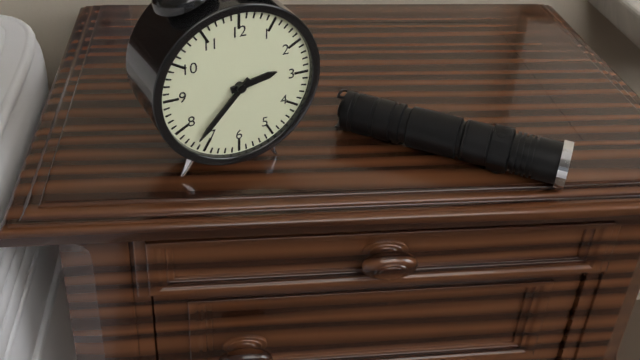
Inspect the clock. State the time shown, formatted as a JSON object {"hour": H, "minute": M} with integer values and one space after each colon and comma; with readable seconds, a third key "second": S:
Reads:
{"hour": 2, "minute": 37}
